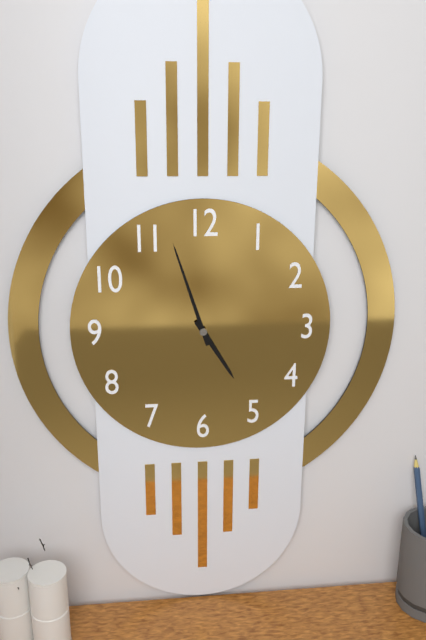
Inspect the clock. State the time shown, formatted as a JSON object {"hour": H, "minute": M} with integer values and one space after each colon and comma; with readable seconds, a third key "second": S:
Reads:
{"hour": 4, "minute": 57}
